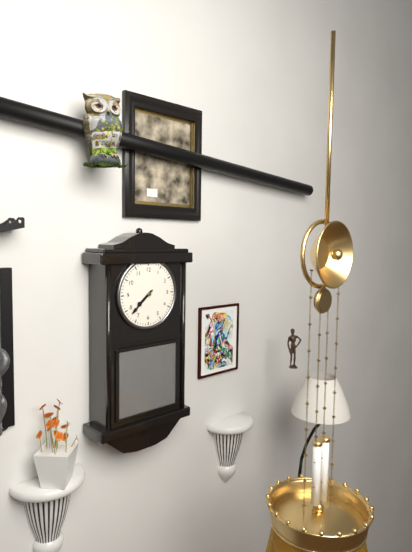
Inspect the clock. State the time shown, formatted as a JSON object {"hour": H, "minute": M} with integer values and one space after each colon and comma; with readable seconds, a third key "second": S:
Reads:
{"hour": 7, "minute": 38}
